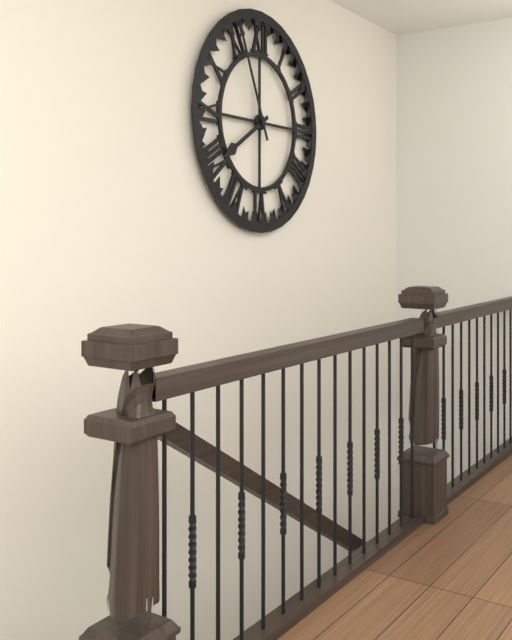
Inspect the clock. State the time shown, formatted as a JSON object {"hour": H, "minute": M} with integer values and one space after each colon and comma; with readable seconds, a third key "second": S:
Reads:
{"hour": 7, "minute": 56}
